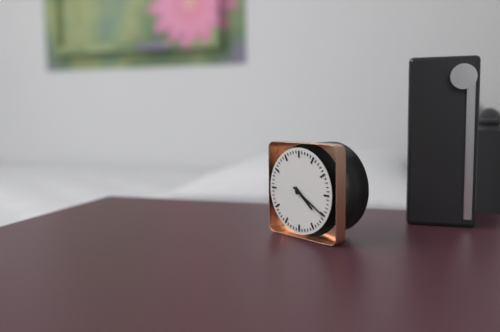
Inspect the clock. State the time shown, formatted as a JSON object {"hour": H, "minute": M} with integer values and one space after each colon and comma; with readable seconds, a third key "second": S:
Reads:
{"hour": 4, "minute": 20}
